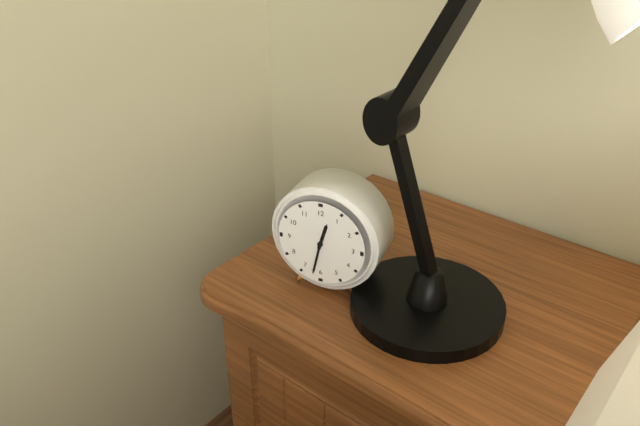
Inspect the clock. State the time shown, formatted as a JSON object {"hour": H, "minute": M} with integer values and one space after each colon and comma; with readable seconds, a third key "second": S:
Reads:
{"hour": 12, "minute": 32}
